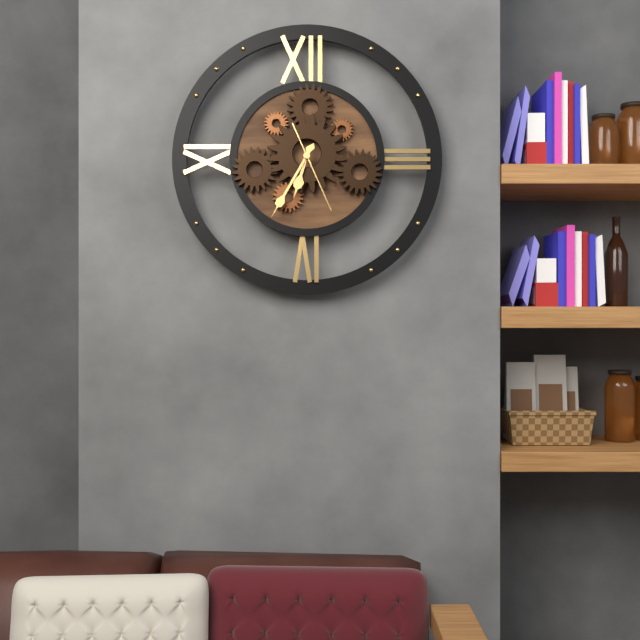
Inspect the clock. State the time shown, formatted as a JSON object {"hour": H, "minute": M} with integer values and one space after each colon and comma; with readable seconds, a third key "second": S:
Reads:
{"hour": 6, "minute": 35, "second": 26}
